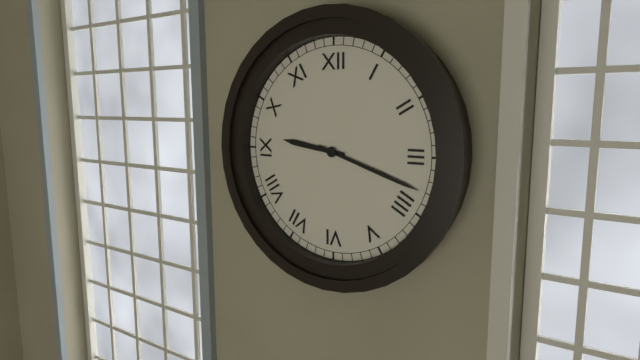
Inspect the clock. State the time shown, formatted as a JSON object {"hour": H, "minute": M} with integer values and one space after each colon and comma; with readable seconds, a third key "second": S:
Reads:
{"hour": 9, "minute": 18}
